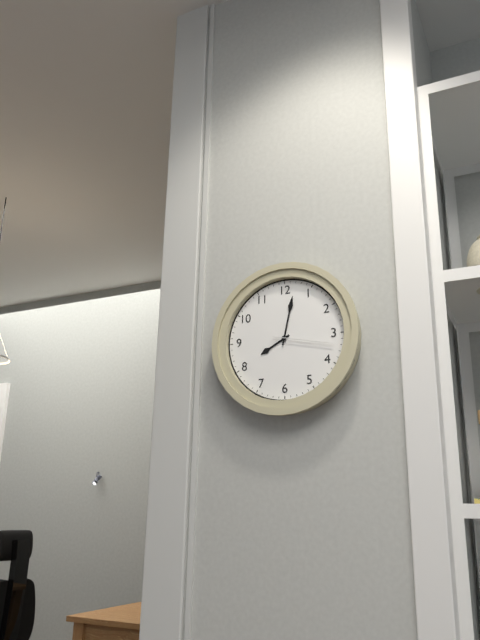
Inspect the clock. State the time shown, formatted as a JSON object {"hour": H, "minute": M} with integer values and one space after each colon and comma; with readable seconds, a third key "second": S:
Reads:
{"hour": 8, "minute": 2, "second": 17}
